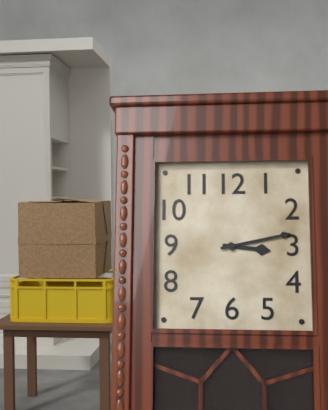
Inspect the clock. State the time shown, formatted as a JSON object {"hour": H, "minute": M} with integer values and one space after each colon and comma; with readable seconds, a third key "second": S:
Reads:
{"hour": 3, "minute": 13}
